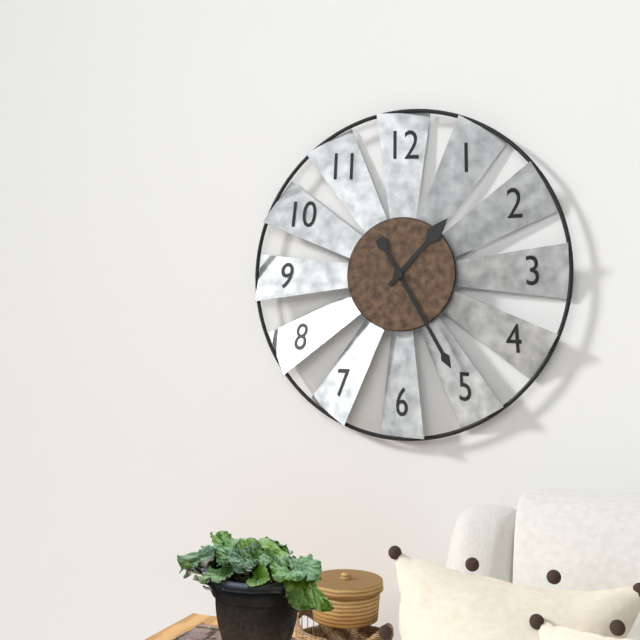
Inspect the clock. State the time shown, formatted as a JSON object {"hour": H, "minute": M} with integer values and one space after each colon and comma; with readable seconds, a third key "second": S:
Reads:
{"hour": 1, "minute": 25}
